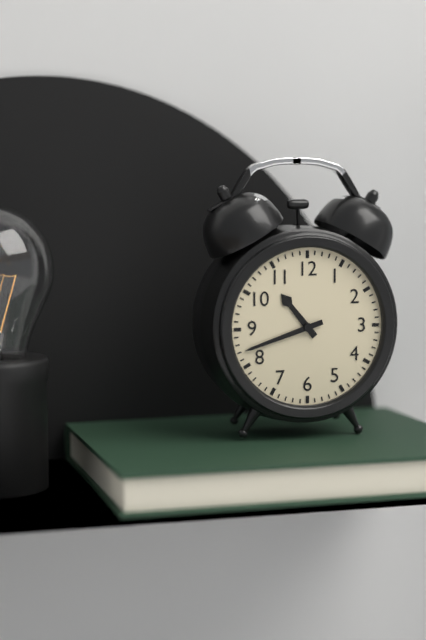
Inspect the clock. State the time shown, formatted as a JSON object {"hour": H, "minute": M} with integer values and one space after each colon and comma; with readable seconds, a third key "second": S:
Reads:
{"hour": 10, "minute": 42}
